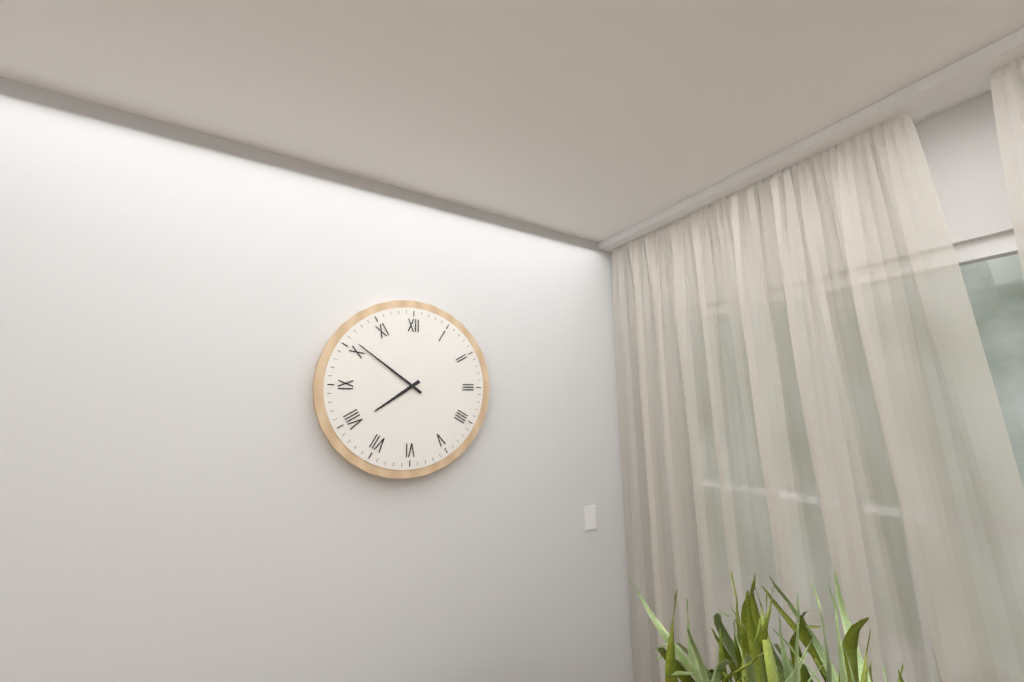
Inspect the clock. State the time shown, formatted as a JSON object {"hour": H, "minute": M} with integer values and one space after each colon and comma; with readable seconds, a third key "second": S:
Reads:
{"hour": 7, "minute": 51}
